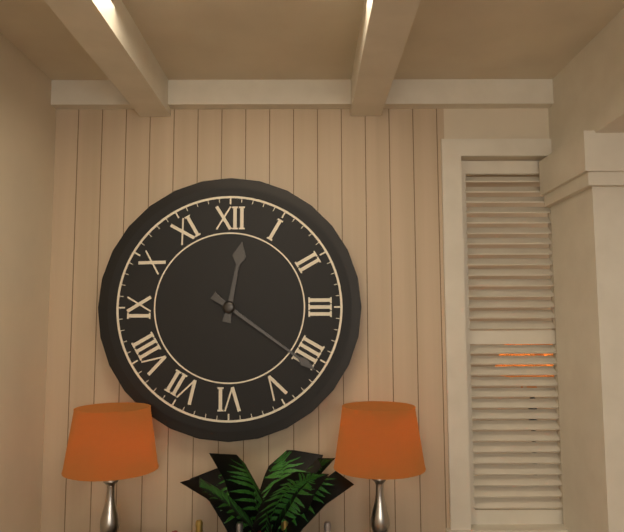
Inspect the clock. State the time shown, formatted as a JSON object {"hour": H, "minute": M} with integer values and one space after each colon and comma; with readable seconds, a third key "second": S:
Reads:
{"hour": 12, "minute": 21}
